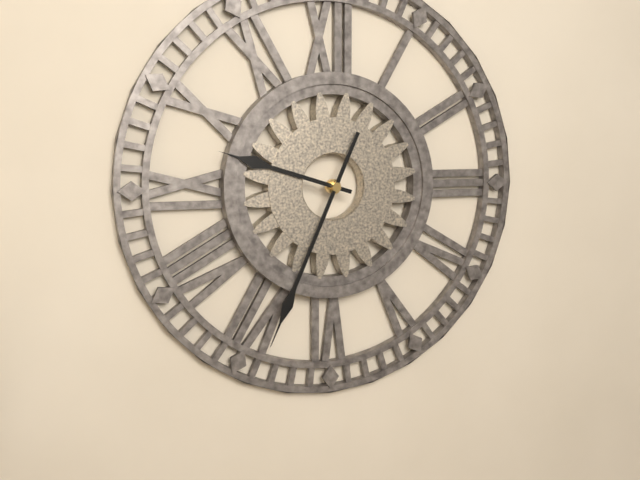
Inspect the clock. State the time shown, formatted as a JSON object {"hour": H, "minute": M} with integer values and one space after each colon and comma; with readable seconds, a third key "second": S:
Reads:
{"hour": 9, "minute": 34}
